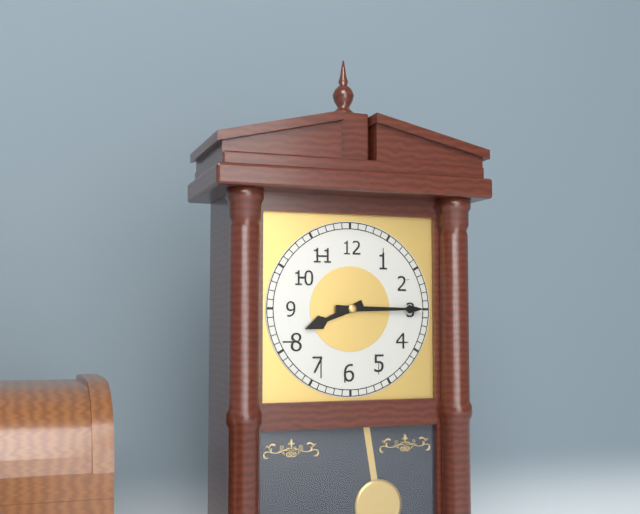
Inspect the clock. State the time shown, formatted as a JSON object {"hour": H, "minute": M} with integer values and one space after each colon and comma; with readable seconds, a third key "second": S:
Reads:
{"hour": 8, "minute": 15}
